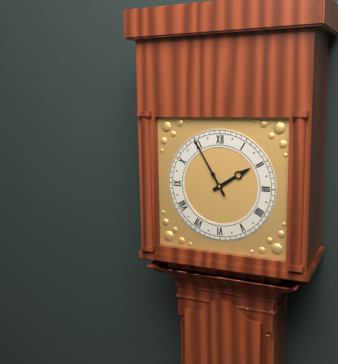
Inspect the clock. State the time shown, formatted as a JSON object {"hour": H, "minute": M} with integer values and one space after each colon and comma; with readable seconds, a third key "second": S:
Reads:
{"hour": 1, "minute": 55}
